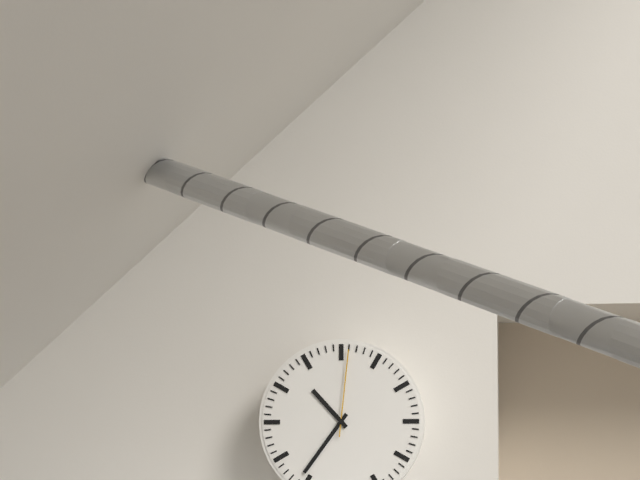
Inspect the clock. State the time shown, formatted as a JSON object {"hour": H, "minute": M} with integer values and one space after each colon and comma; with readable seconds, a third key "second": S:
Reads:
{"hour": 10, "minute": 36, "second": 1}
